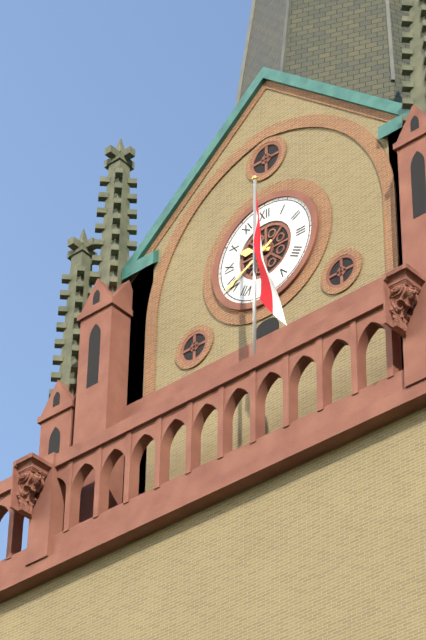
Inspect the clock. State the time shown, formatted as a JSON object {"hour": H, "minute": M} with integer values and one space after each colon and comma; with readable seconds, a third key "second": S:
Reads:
{"hour": 9, "minute": 40}
